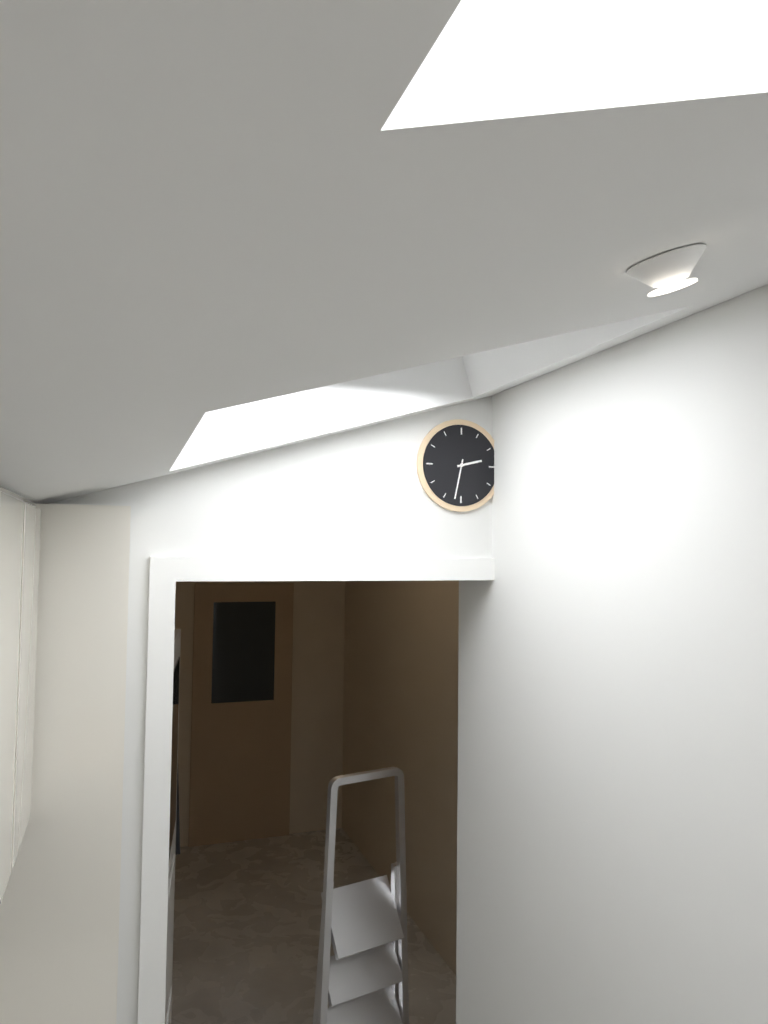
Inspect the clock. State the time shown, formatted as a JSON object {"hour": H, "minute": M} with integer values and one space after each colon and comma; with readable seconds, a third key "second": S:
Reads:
{"hour": 2, "minute": 32}
